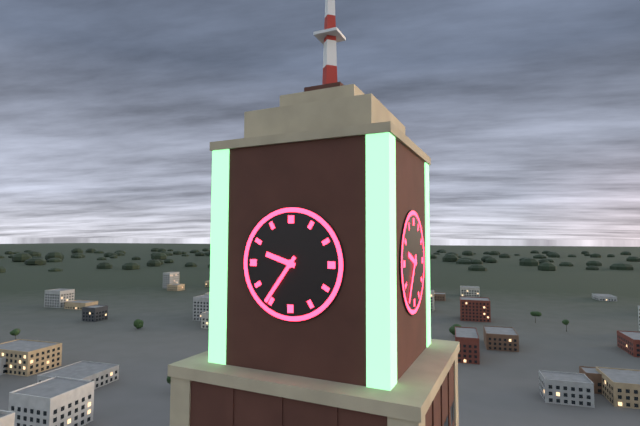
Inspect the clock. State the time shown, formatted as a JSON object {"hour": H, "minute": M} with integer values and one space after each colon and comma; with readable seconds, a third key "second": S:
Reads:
{"hour": 9, "minute": 36}
